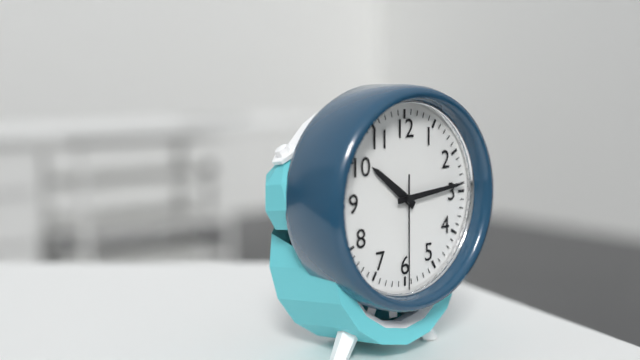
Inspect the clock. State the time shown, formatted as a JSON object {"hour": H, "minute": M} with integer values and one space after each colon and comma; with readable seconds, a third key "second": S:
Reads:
{"hour": 10, "minute": 14, "second": 30}
